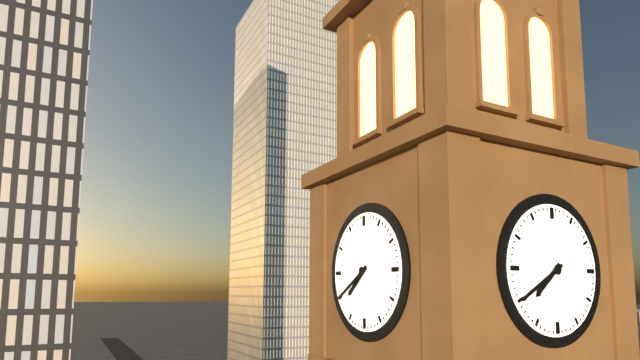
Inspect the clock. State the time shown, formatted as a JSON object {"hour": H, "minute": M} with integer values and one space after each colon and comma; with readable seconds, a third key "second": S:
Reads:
{"hour": 7, "minute": 40}
